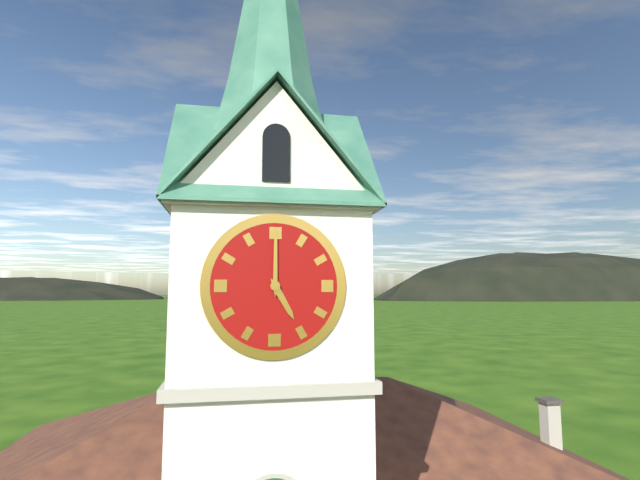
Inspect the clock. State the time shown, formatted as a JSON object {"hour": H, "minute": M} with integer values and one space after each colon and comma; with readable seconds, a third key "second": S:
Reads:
{"hour": 5, "minute": 0}
